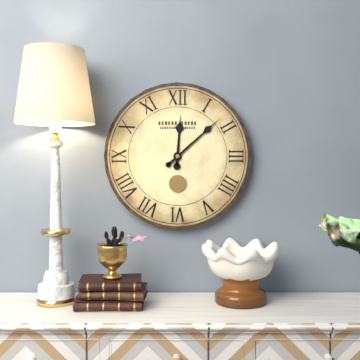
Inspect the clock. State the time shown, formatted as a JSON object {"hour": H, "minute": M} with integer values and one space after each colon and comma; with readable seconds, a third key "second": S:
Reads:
{"hour": 12, "minute": 8}
